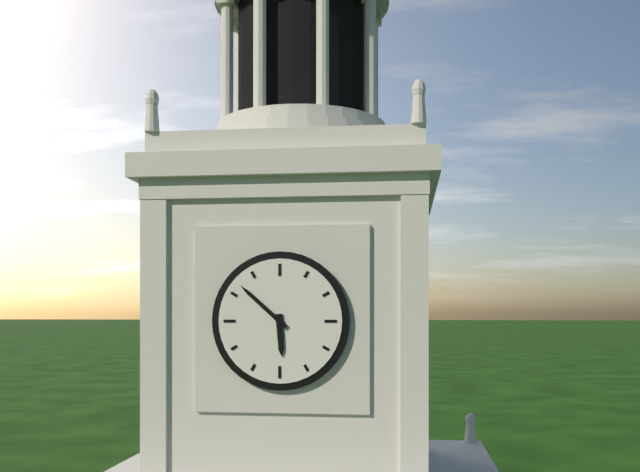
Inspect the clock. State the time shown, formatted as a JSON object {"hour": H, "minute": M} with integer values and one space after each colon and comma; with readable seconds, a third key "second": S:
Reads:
{"hour": 5, "minute": 52}
